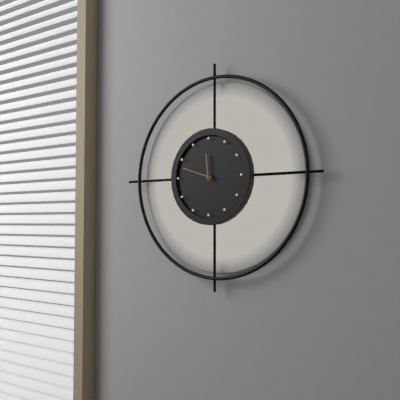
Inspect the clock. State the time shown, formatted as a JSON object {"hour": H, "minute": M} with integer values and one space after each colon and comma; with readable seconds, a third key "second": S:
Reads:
{"hour": 11, "minute": 48}
